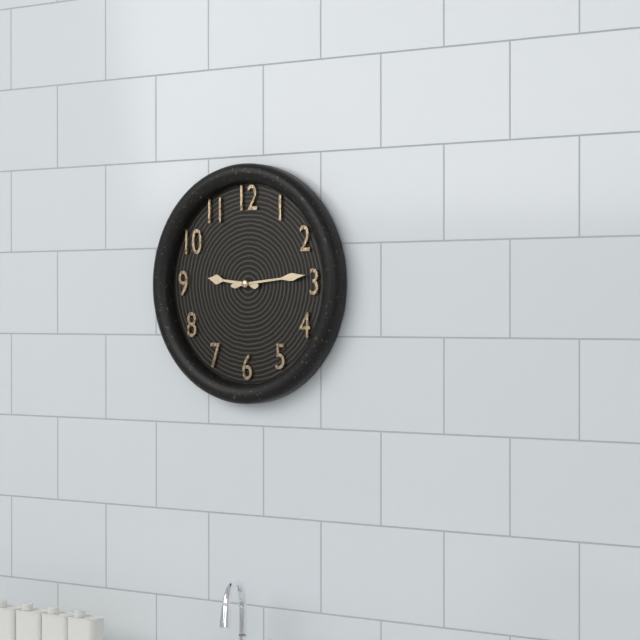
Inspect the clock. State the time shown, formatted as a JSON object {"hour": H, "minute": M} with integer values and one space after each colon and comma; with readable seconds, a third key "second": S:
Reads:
{"hour": 9, "minute": 14}
